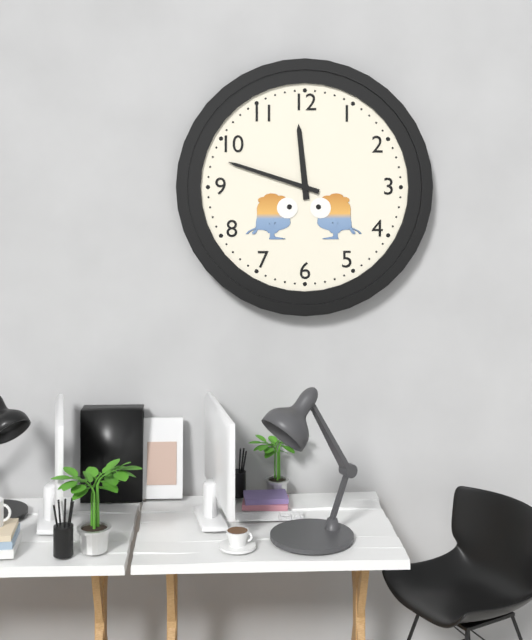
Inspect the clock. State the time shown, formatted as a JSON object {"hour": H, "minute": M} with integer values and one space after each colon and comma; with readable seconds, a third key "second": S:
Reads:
{"hour": 11, "minute": 48}
